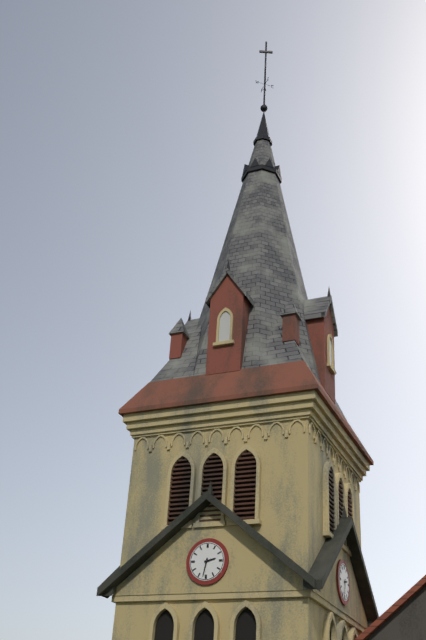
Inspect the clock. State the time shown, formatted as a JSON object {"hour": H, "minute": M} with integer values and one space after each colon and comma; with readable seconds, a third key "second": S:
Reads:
{"hour": 2, "minute": 32}
